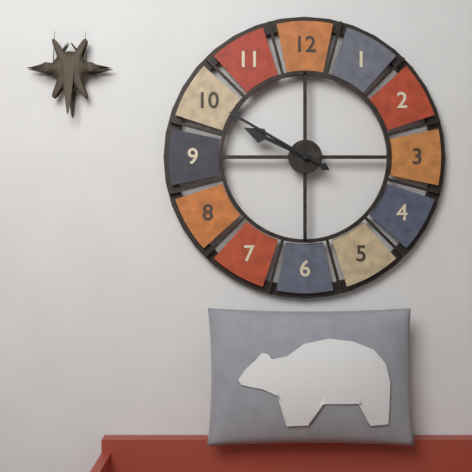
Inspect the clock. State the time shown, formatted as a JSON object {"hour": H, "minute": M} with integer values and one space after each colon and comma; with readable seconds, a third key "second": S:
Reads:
{"hour": 9, "minute": 50}
